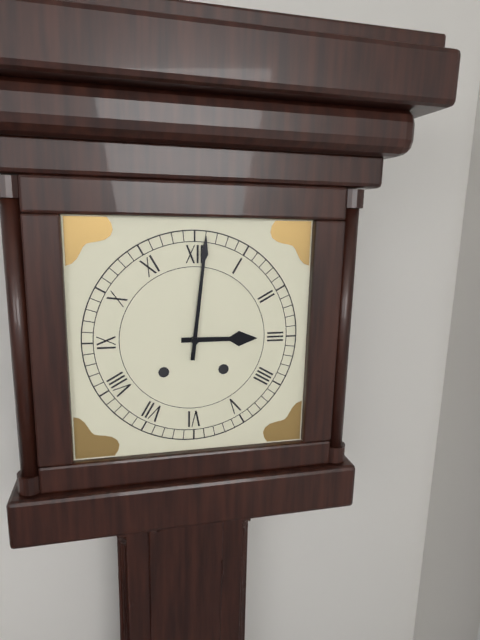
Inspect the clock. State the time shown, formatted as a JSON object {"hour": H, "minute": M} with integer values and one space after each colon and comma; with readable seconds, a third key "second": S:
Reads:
{"hour": 3, "minute": 1}
